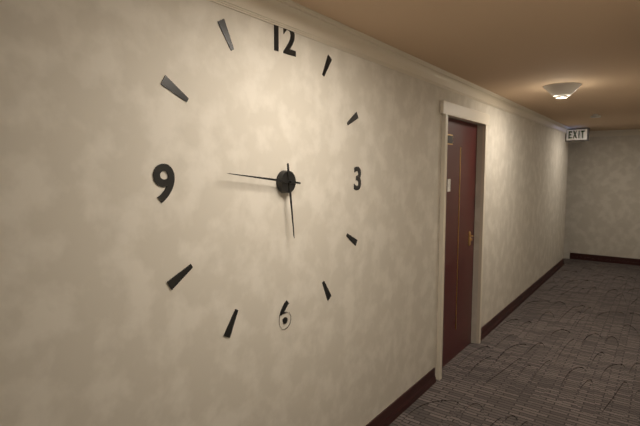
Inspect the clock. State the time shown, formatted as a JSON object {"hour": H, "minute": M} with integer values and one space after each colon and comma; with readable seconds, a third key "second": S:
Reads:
{"hour": 5, "minute": 46}
